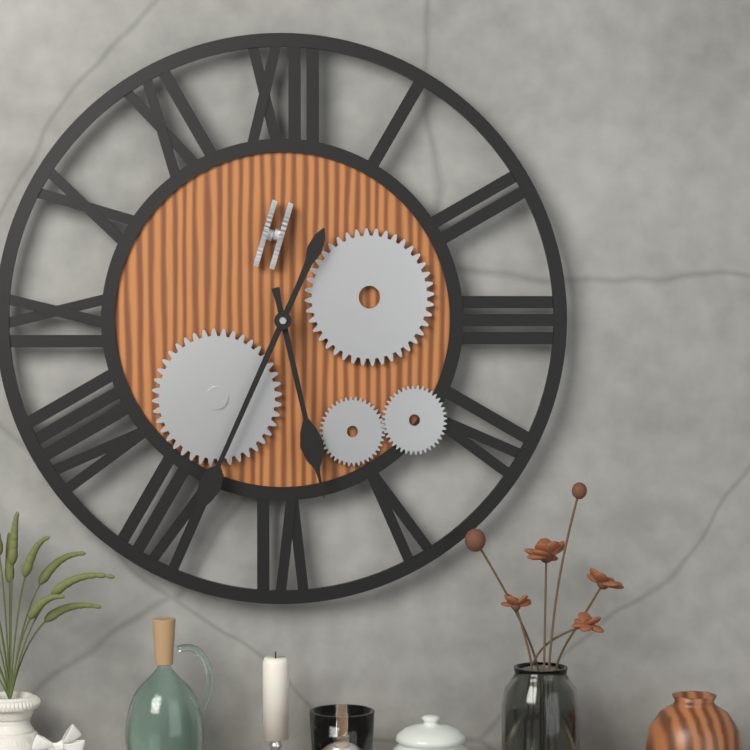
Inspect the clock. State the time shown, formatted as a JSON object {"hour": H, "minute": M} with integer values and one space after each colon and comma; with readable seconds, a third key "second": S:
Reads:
{"hour": 5, "minute": 34}
